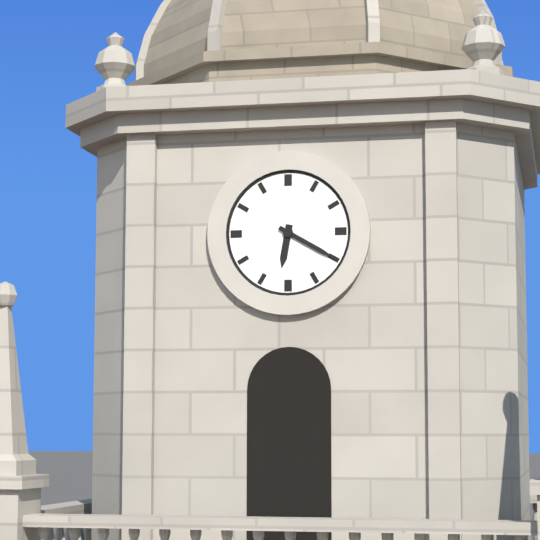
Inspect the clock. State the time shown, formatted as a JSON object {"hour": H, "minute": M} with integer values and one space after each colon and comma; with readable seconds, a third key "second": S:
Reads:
{"hour": 6, "minute": 20}
